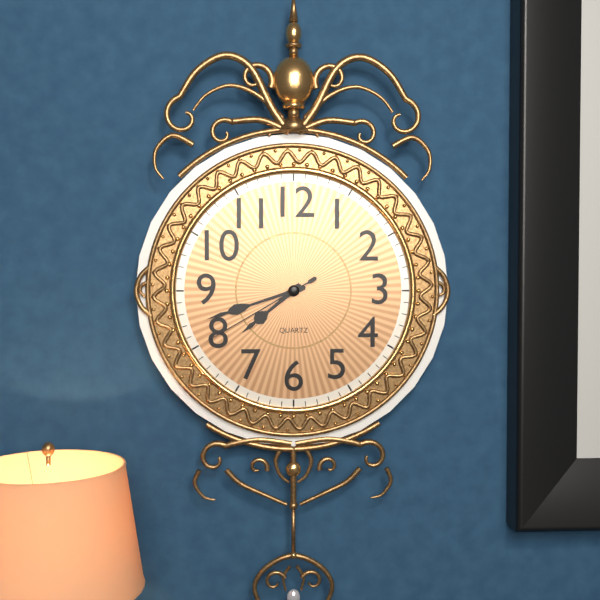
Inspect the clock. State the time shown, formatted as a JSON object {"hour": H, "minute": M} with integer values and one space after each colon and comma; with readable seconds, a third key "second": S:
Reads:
{"hour": 7, "minute": 42, "second": 40}
